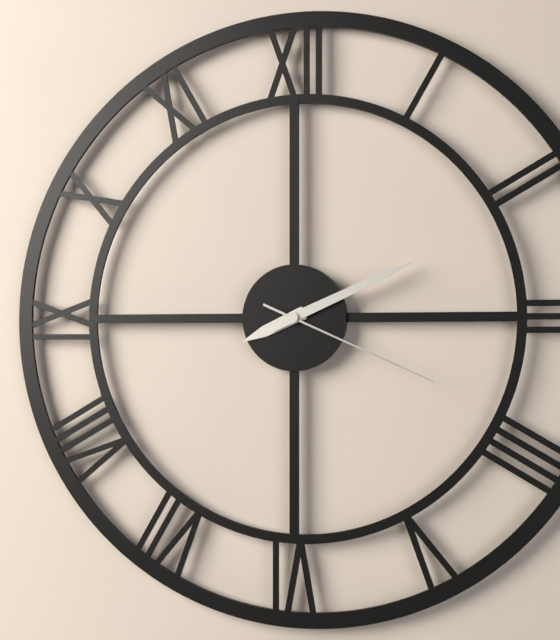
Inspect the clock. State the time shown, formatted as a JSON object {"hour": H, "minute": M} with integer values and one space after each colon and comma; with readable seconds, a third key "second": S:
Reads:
{"hour": 8, "minute": 11, "second": 19}
